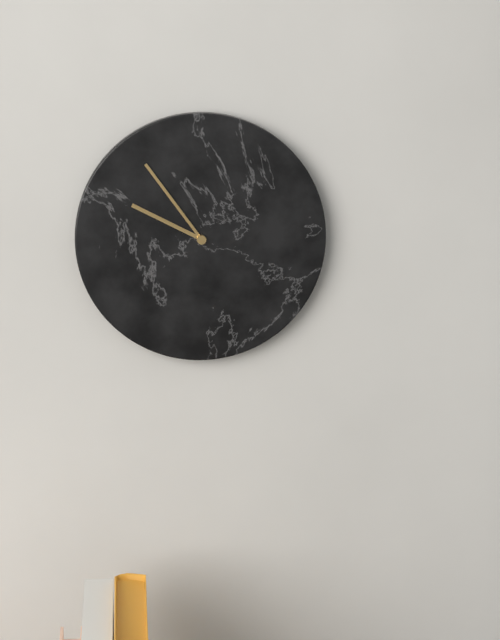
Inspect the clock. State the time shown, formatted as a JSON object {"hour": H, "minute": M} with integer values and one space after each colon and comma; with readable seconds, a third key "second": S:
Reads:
{"hour": 9, "minute": 54}
